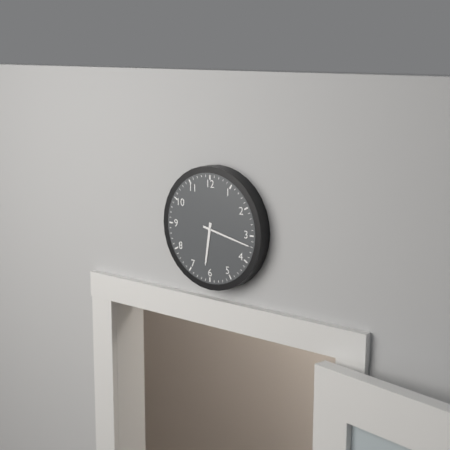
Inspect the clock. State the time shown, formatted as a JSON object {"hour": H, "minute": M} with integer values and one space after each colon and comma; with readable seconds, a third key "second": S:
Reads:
{"hour": 6, "minute": 17}
